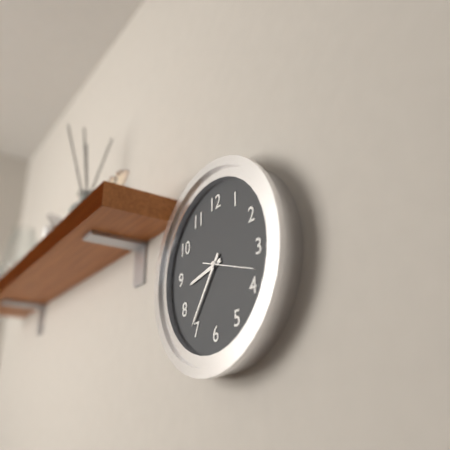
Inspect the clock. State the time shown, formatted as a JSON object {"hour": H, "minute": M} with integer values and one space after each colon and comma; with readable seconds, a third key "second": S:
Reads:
{"hour": 8, "minute": 36, "second": 18}
